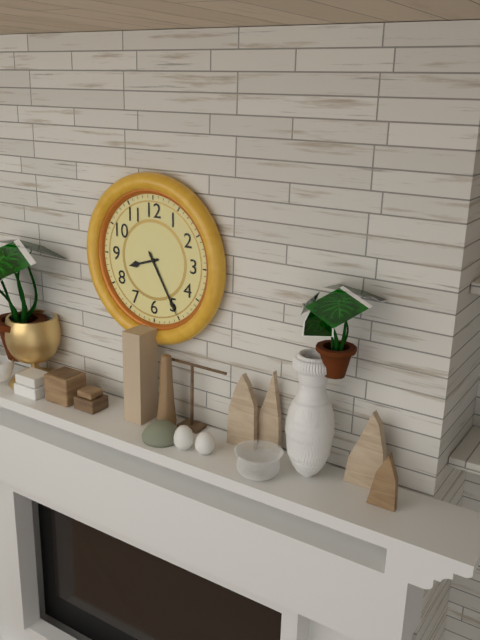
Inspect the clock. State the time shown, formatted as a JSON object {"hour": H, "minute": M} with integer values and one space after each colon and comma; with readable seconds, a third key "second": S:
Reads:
{"hour": 8, "minute": 25}
